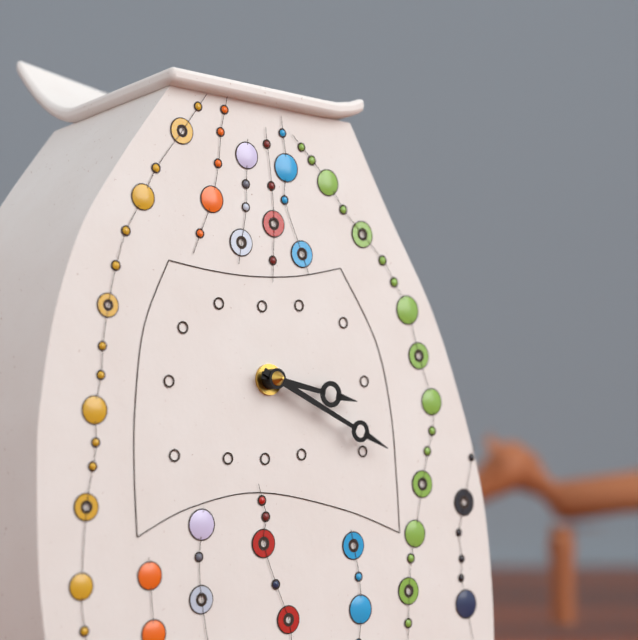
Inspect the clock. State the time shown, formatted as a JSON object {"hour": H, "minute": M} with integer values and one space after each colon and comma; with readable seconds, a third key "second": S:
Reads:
{"hour": 3, "minute": 19}
